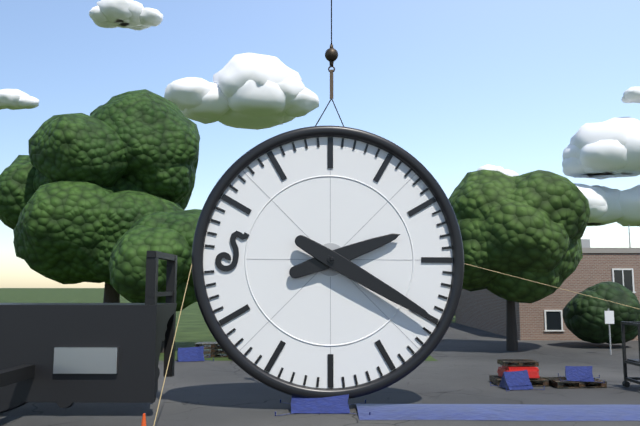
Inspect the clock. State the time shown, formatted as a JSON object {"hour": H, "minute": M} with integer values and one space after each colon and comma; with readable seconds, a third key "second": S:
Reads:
{"hour": 2, "minute": 20}
